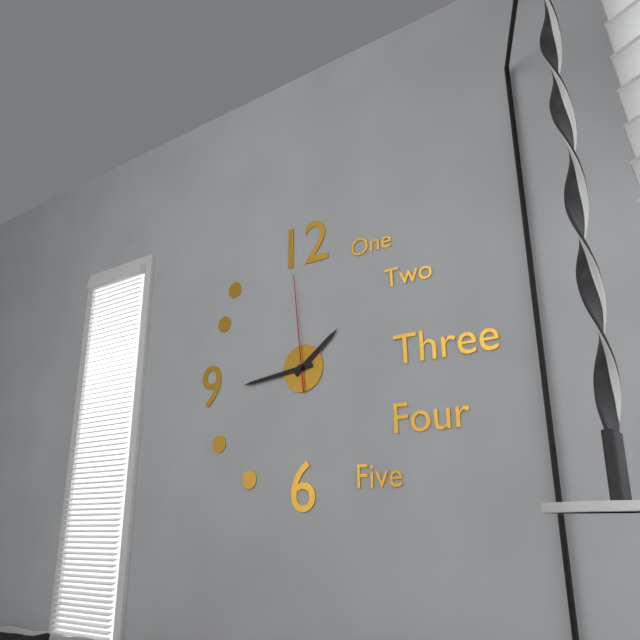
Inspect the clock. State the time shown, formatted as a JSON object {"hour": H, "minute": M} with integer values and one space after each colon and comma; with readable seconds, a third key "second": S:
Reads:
{"hour": 1, "minute": 44, "second": 59}
